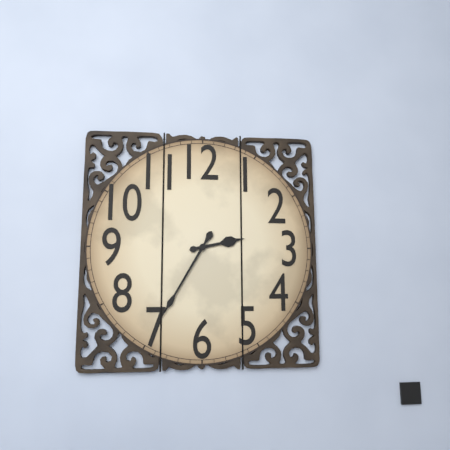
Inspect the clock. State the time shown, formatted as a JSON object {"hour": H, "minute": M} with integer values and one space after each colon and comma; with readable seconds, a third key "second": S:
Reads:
{"hour": 2, "minute": 35}
